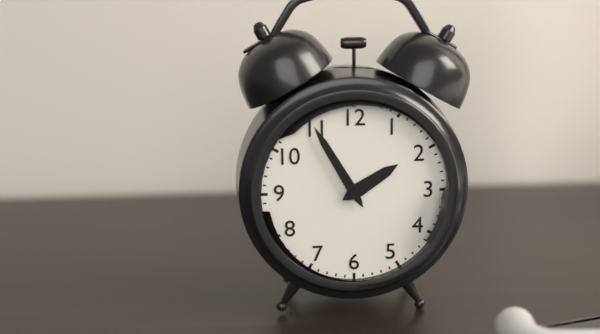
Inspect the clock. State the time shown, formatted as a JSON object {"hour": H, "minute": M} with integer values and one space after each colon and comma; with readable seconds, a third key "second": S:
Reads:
{"hour": 1, "minute": 55}
